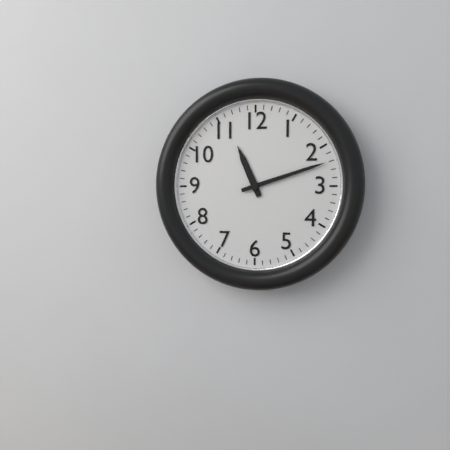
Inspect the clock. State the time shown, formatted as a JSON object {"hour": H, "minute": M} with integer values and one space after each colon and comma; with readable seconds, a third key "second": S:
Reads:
{"hour": 11, "minute": 12}
